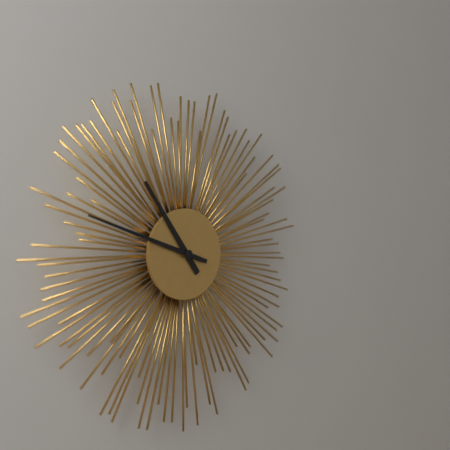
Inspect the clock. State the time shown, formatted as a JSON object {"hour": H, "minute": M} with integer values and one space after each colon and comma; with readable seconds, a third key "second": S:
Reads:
{"hour": 10, "minute": 48}
